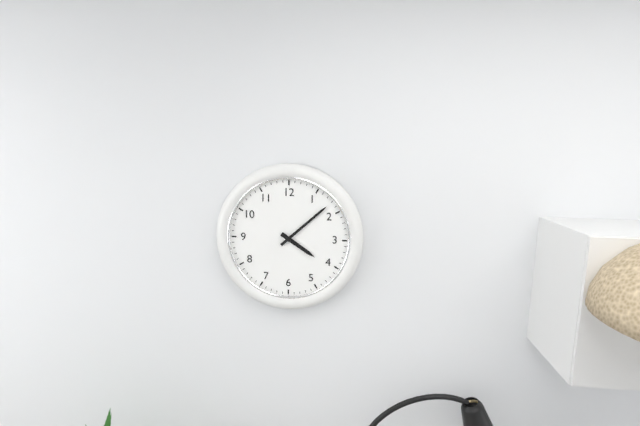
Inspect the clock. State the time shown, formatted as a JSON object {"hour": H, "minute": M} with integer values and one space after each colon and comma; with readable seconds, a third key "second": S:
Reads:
{"hour": 4, "minute": 8}
